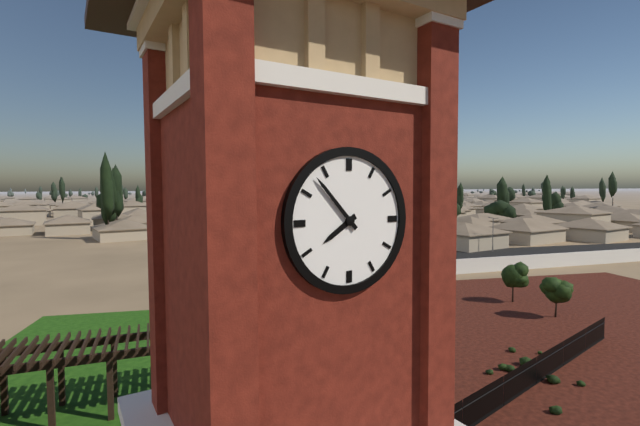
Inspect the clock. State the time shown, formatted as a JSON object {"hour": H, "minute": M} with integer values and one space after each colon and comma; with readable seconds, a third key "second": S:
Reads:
{"hour": 7, "minute": 53}
